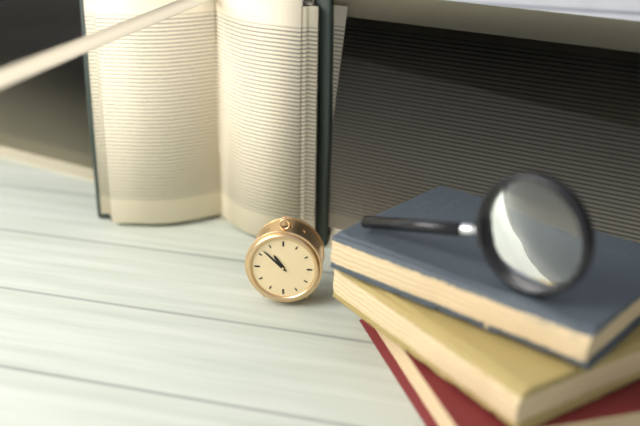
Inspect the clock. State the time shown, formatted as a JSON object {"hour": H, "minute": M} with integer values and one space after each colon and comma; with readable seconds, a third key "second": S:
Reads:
{"hour": 10, "minute": 52}
